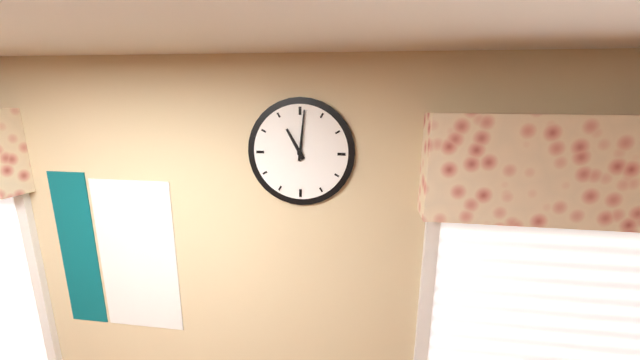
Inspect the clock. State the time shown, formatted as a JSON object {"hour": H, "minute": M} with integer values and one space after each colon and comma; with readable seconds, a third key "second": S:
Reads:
{"hour": 11, "minute": 1}
